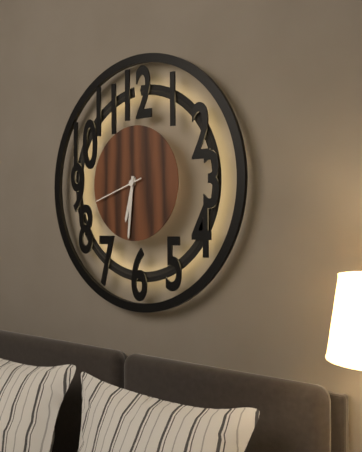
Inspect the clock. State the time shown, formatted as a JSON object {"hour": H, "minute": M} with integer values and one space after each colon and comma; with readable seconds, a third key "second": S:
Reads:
{"hour": 6, "minute": 31}
